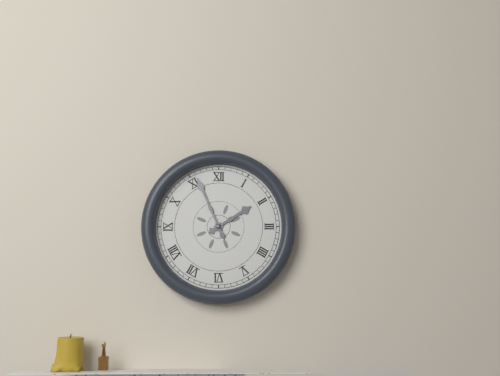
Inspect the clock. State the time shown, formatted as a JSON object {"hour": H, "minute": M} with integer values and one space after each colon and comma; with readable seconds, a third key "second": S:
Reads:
{"hour": 1, "minute": 56}
